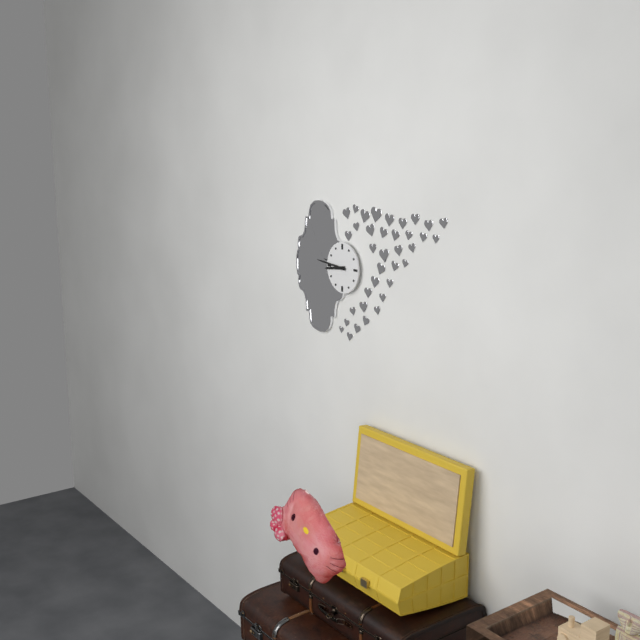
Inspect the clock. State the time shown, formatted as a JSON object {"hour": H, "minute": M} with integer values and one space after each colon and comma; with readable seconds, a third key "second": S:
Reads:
{"hour": 8, "minute": 46}
